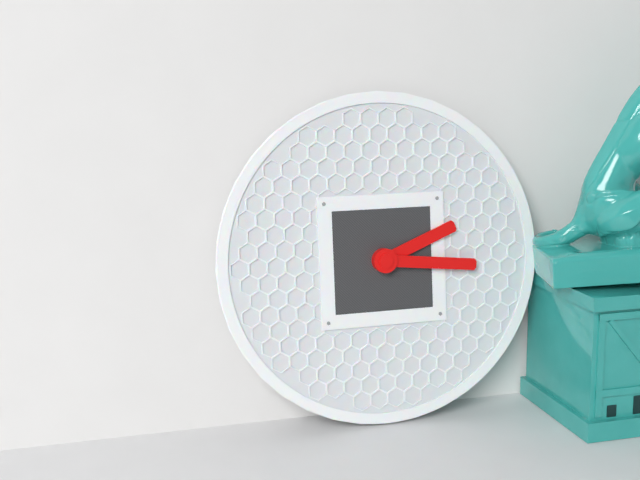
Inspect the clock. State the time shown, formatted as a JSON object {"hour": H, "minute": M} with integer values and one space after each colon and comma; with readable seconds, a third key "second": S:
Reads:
{"hour": 2, "minute": 16}
